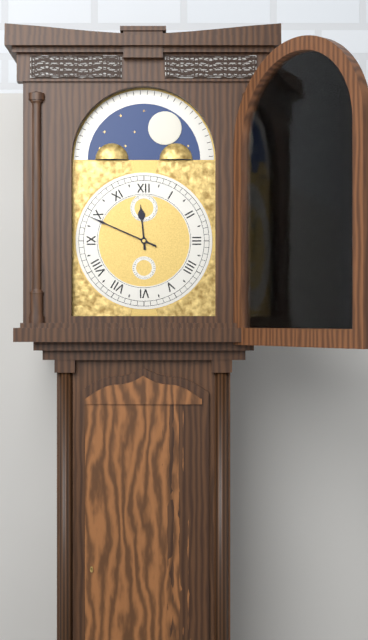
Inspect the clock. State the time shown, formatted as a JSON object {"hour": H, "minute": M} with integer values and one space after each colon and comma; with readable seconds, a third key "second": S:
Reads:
{"hour": 11, "minute": 49}
